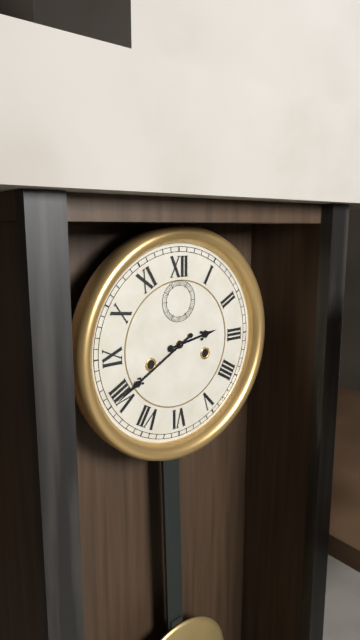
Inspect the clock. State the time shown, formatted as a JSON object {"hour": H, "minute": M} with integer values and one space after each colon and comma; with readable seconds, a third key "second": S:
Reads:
{"hour": 2, "minute": 40}
